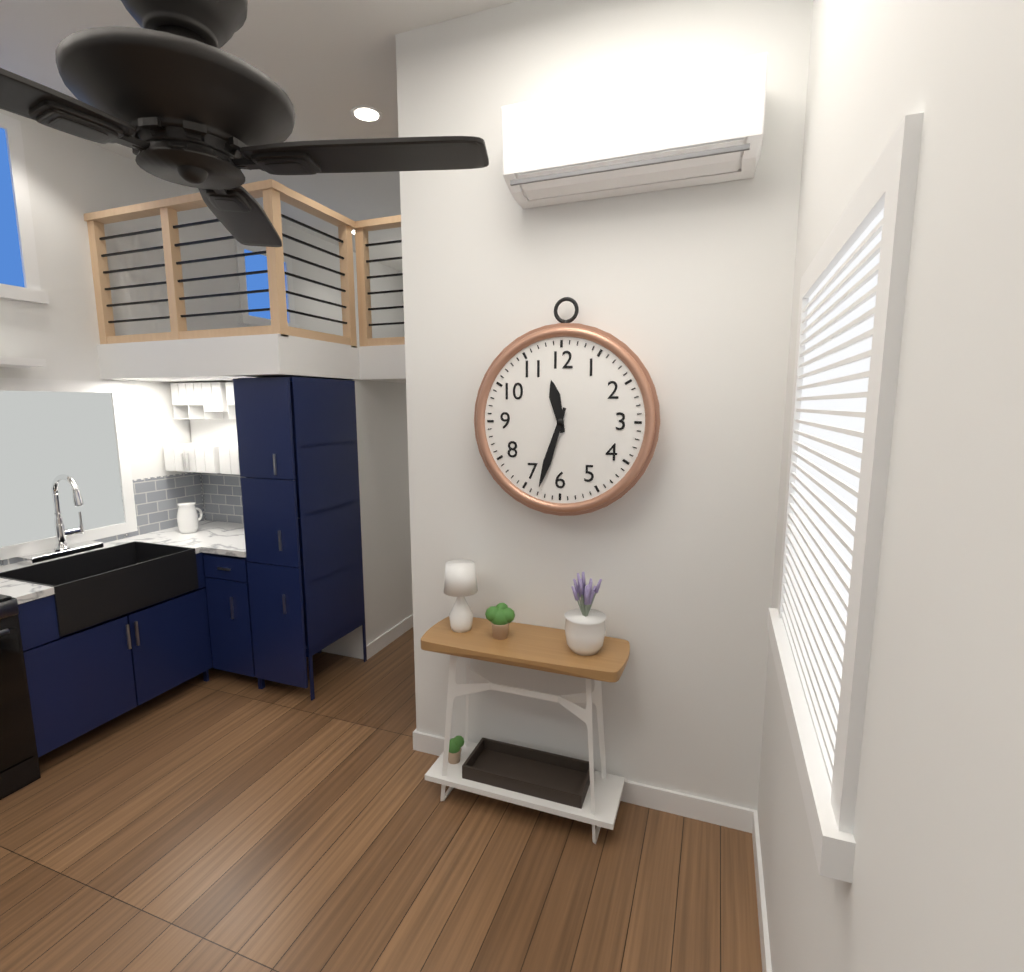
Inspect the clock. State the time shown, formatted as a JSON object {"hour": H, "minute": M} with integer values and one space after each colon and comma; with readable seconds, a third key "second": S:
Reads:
{"hour": 11, "minute": 33}
